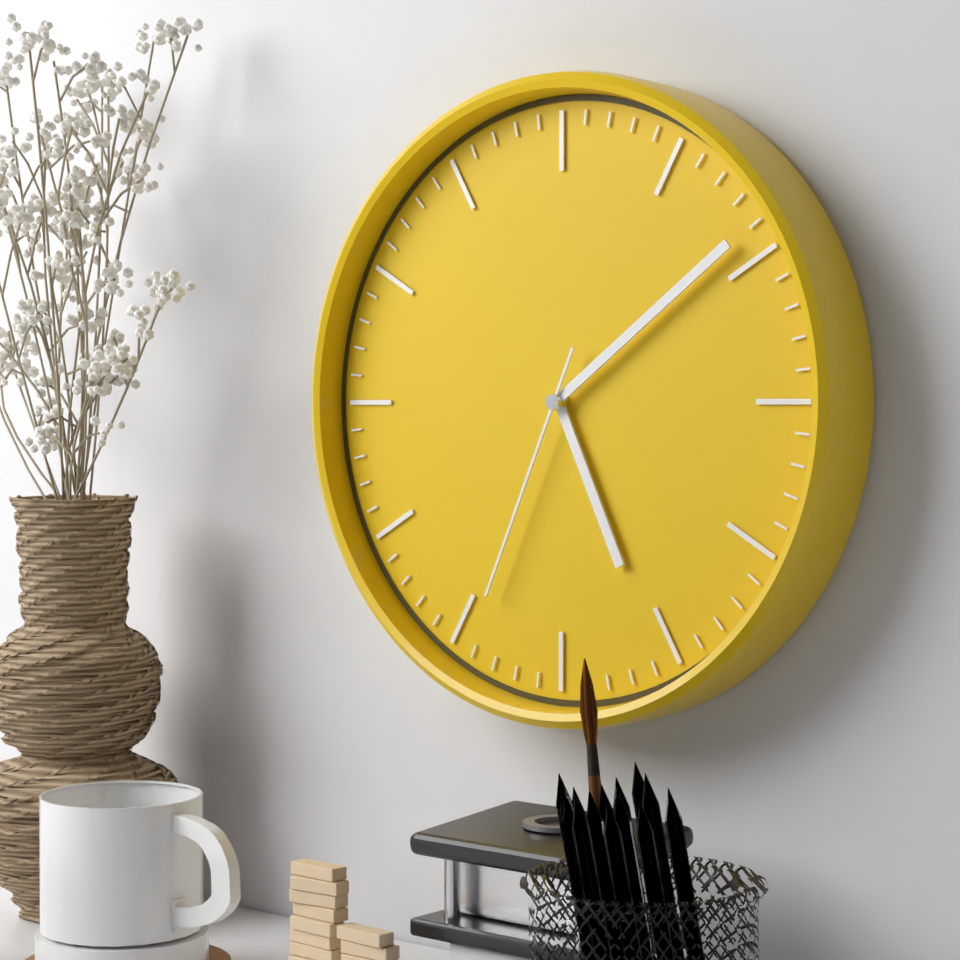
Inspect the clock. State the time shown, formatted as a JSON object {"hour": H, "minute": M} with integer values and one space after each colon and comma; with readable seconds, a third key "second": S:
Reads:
{"hour": 5, "minute": 9, "second": 34}
